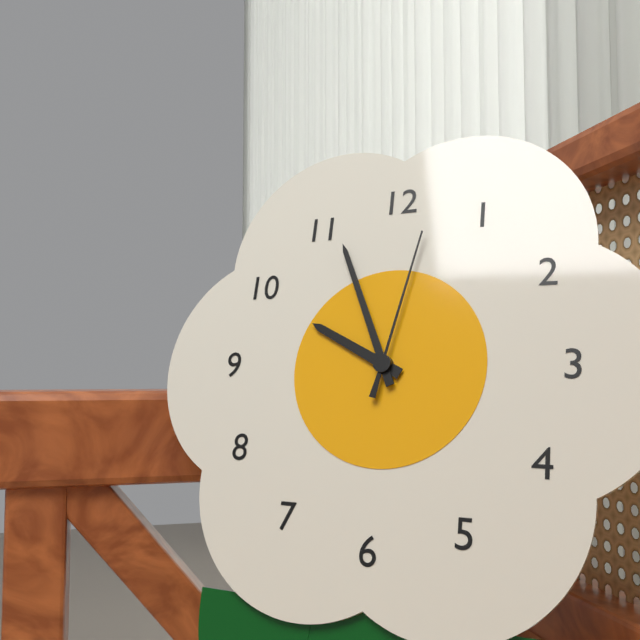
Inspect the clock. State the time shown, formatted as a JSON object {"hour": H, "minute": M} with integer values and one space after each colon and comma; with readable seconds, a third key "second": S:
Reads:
{"hour": 9, "minute": 56, "second": 2}
